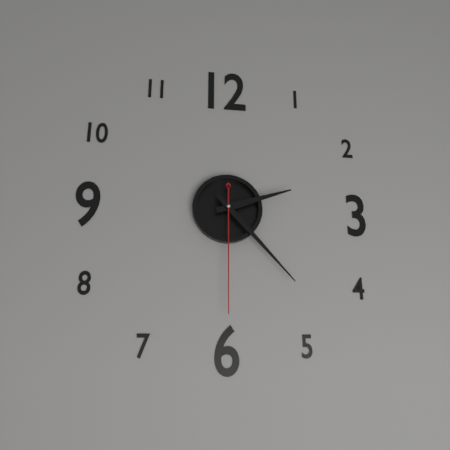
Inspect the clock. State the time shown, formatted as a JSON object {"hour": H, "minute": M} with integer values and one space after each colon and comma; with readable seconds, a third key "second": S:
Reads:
{"hour": 2, "minute": 23, "second": 30}
